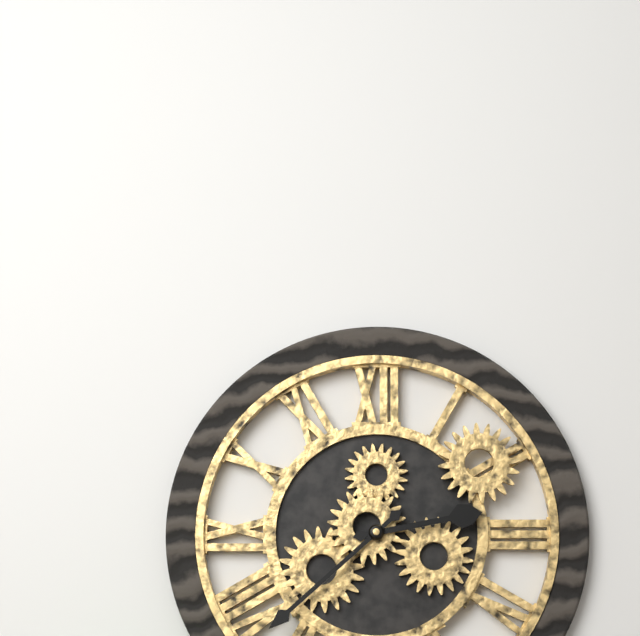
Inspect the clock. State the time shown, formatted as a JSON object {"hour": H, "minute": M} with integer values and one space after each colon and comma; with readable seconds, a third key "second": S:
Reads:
{"hour": 2, "minute": 38}
